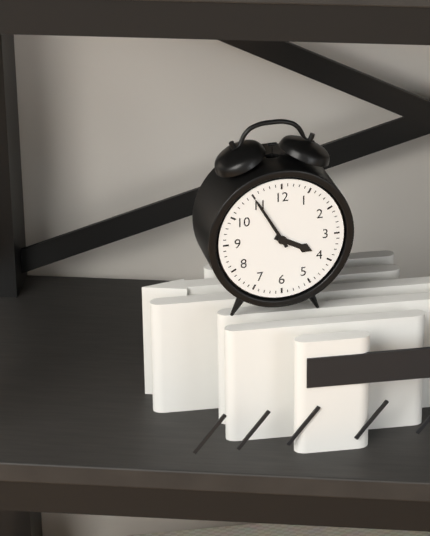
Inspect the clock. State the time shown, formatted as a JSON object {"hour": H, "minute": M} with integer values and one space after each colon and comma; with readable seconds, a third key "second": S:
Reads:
{"hour": 3, "minute": 55}
